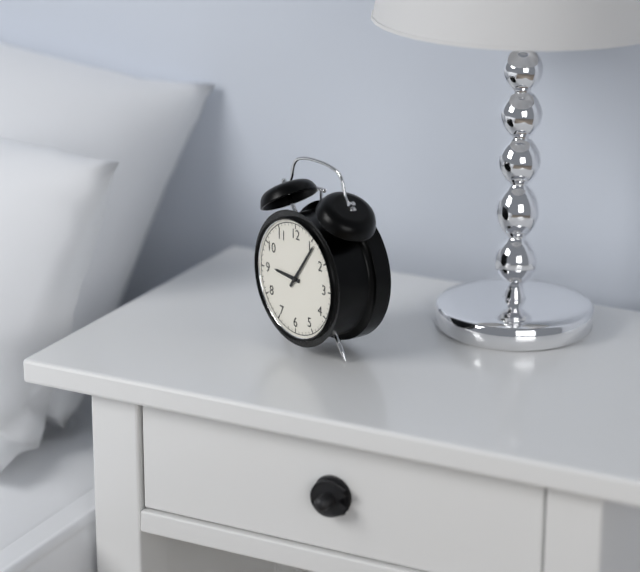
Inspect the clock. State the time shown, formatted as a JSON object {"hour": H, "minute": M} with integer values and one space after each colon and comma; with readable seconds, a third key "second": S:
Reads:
{"hour": 9, "minute": 6}
